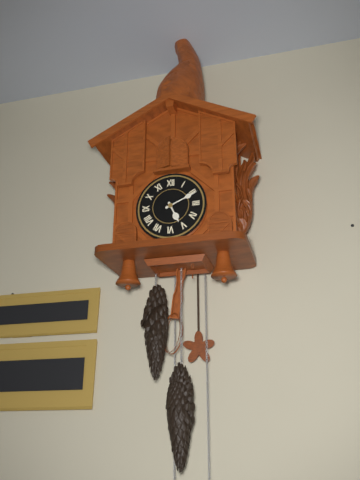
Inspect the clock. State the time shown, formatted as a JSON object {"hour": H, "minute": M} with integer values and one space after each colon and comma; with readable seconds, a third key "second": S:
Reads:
{"hour": 5, "minute": 11}
